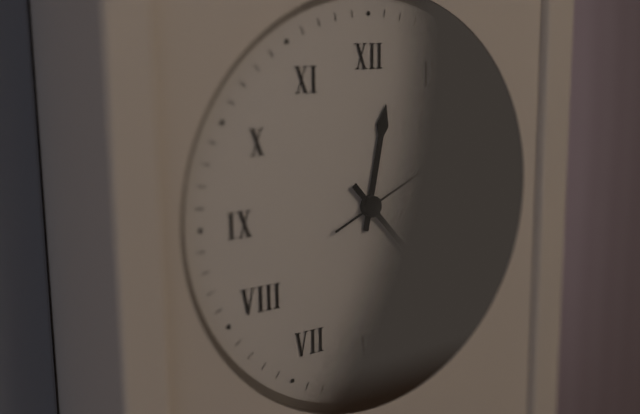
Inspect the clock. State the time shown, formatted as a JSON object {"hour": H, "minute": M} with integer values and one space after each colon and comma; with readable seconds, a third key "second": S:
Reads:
{"hour": 12, "minute": 23, "second": 11}
